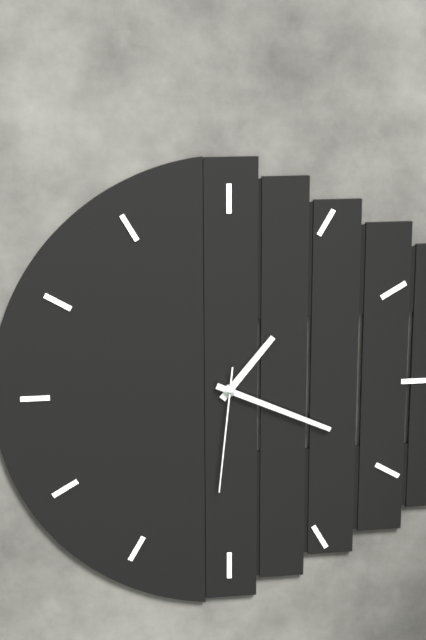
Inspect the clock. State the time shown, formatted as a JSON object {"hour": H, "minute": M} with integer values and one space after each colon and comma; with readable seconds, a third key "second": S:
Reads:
{"hour": 1, "minute": 19, "second": 31}
